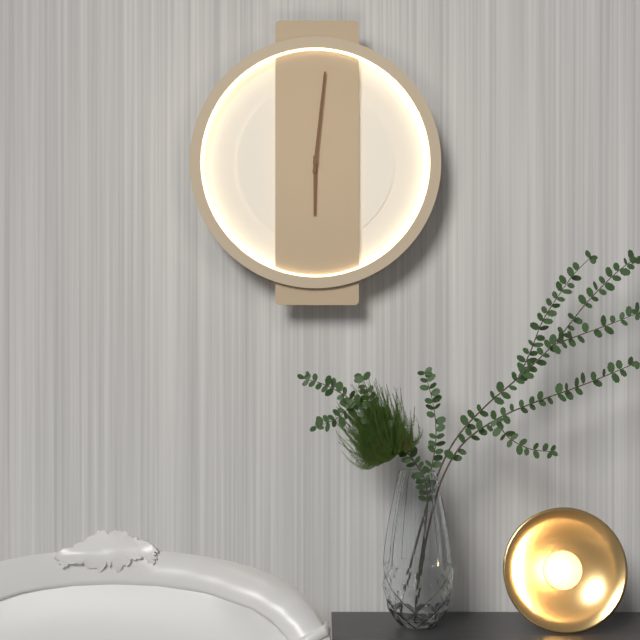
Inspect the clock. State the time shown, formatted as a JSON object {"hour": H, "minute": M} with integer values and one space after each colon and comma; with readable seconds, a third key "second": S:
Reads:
{"hour": 6, "minute": 1}
